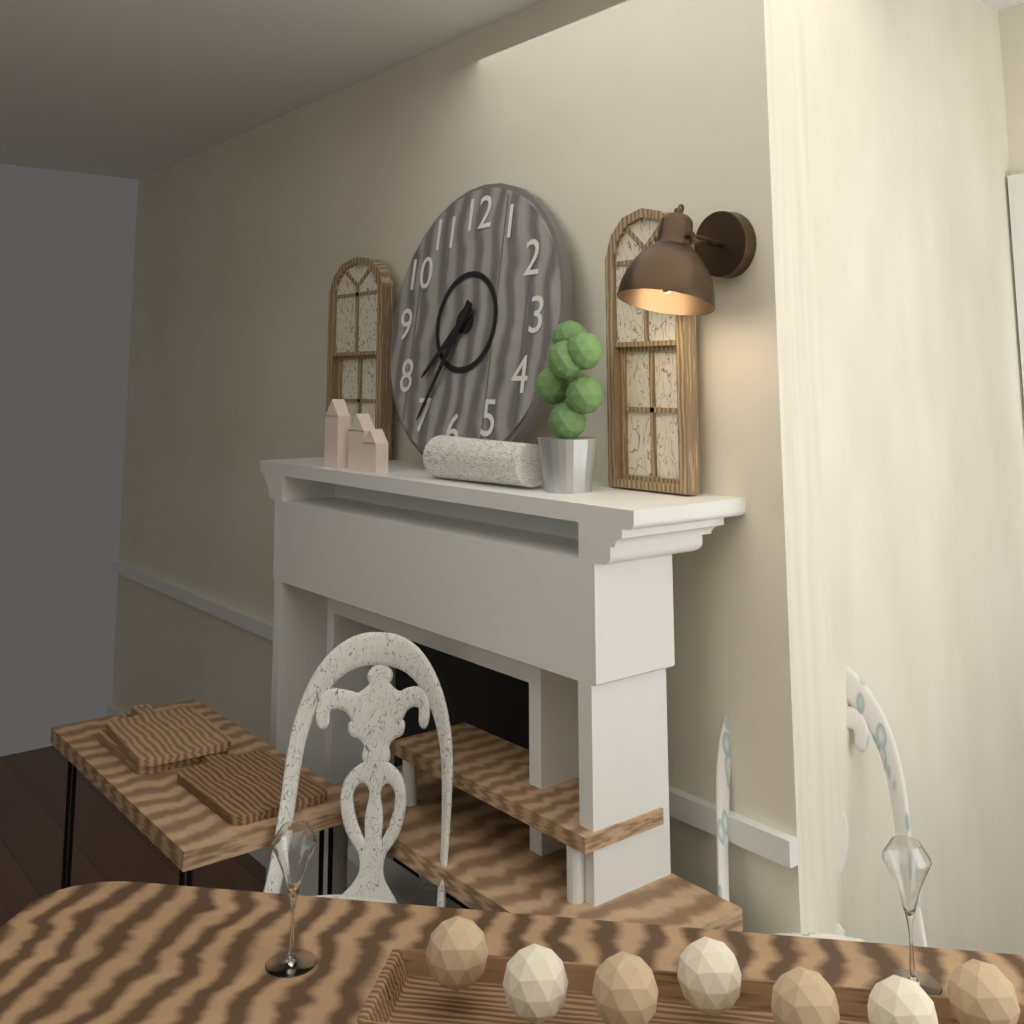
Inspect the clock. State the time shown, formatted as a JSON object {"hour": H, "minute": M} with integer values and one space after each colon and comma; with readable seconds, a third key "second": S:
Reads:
{"hour": 7, "minute": 35}
